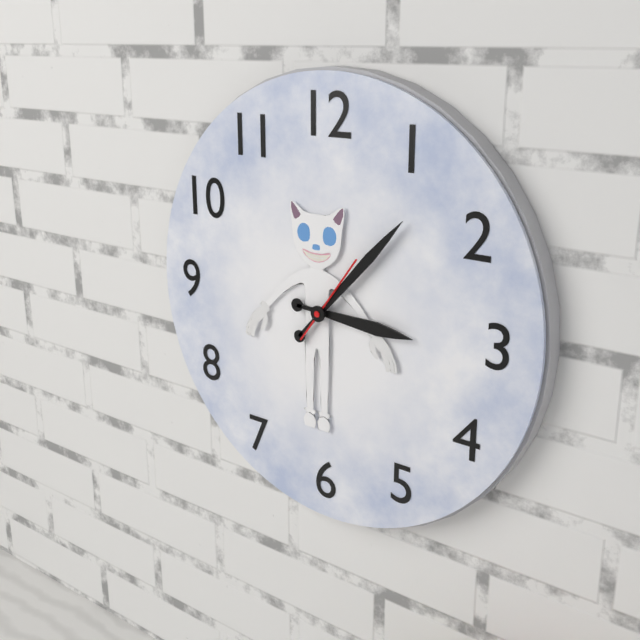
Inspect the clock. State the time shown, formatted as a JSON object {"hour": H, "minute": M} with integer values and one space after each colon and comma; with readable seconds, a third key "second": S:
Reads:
{"hour": 3, "minute": 7, "second": 6}
